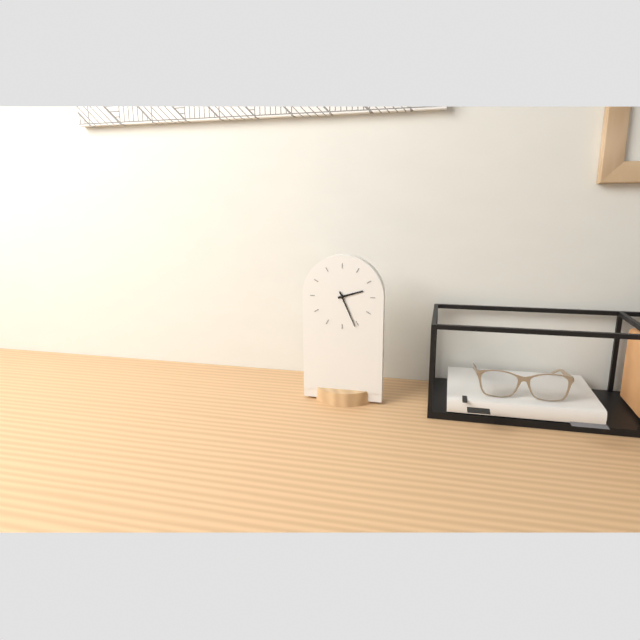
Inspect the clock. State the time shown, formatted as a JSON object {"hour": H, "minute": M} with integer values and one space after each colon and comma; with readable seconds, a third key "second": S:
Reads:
{"hour": 2, "minute": 26}
